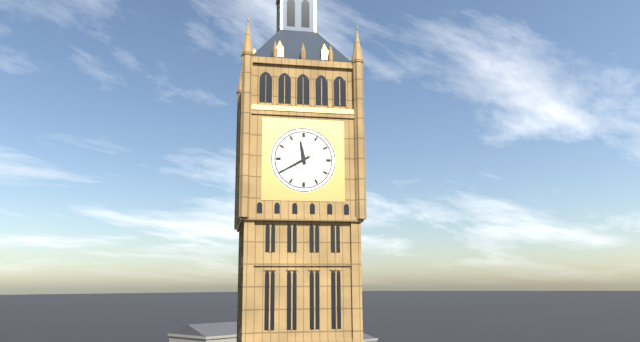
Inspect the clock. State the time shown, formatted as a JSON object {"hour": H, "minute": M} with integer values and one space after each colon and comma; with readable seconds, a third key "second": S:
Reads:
{"hour": 11, "minute": 40}
